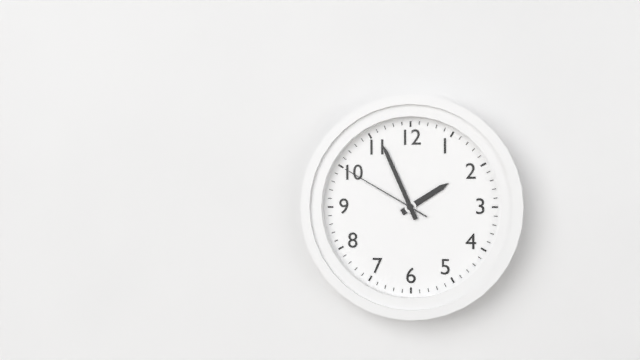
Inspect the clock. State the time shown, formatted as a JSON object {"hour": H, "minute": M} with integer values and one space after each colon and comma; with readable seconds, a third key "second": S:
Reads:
{"hour": 1, "minute": 56, "second": 50}
